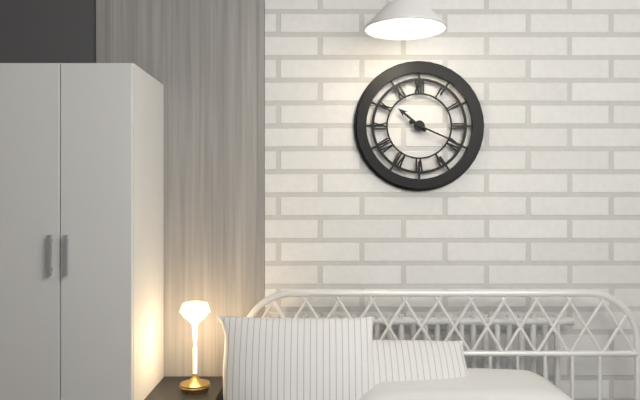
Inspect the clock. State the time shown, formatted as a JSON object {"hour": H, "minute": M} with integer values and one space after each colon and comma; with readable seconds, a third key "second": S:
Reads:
{"hour": 10, "minute": 19}
